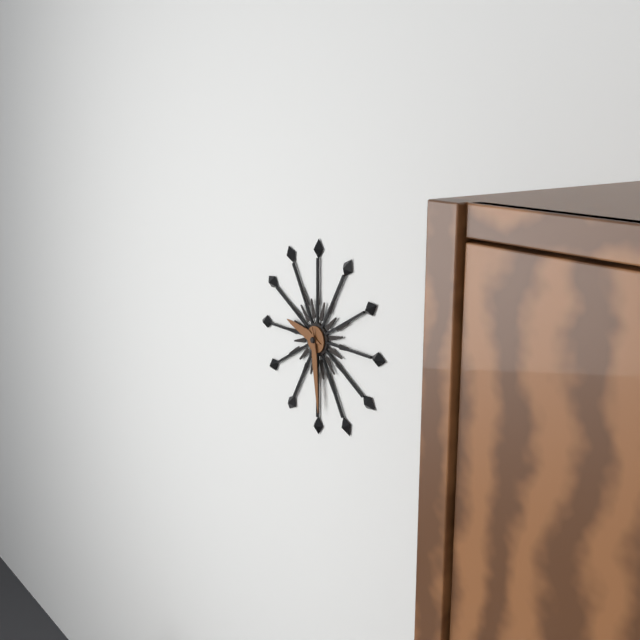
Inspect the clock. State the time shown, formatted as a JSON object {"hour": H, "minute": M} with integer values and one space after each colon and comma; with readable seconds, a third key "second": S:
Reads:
{"hour": 9, "minute": 29}
